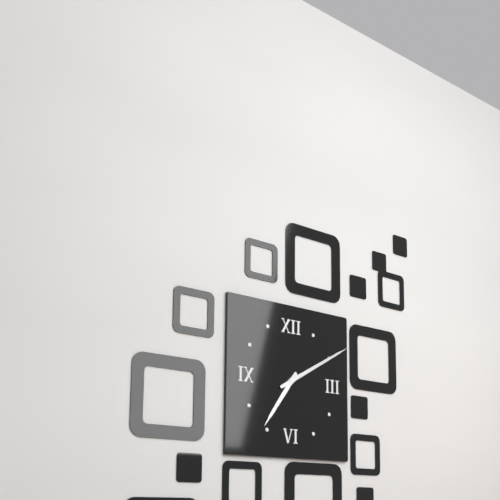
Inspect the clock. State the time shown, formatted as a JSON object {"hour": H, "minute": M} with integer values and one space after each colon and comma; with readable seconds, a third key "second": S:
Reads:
{"hour": 7, "minute": 10}
